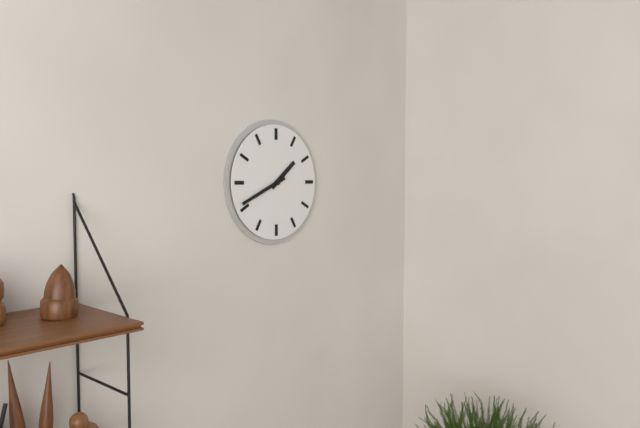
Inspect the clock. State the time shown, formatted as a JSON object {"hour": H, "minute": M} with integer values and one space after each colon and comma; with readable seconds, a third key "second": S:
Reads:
{"hour": 1, "minute": 41}
